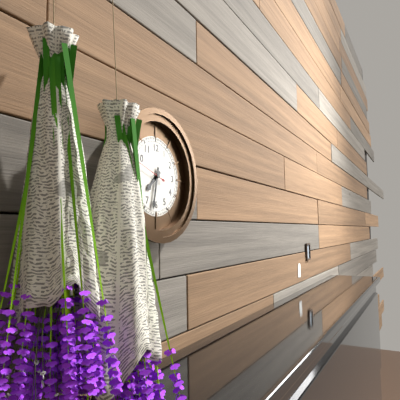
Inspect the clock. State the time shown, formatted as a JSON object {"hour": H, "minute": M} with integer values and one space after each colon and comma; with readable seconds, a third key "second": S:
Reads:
{"hour": 7, "minute": 32}
